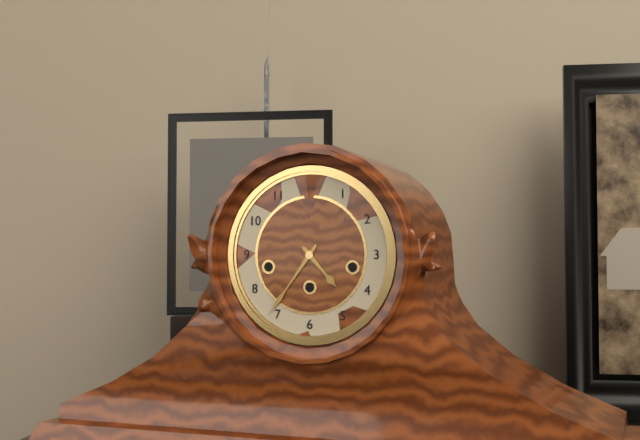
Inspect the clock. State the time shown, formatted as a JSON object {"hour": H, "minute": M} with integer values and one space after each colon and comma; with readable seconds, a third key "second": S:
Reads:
{"hour": 4, "minute": 36}
